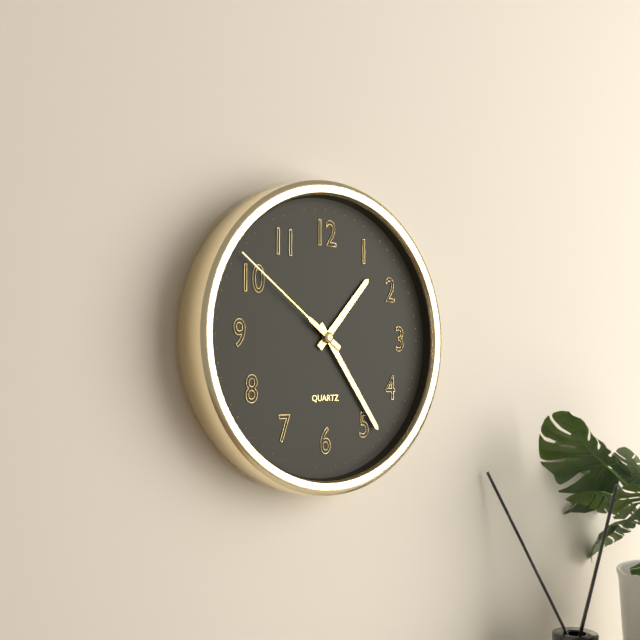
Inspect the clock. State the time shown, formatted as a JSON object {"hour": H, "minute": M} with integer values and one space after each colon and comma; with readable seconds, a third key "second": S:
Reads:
{"hour": 1, "minute": 24, "second": 51}
